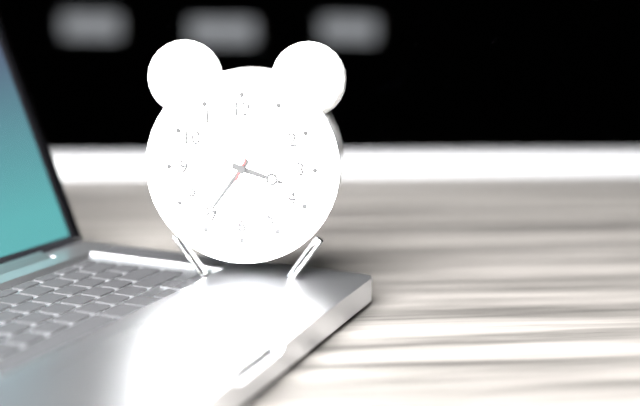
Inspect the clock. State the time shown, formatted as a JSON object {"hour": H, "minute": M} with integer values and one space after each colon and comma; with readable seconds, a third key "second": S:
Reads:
{"hour": 3, "minute": 36, "second": 34}
